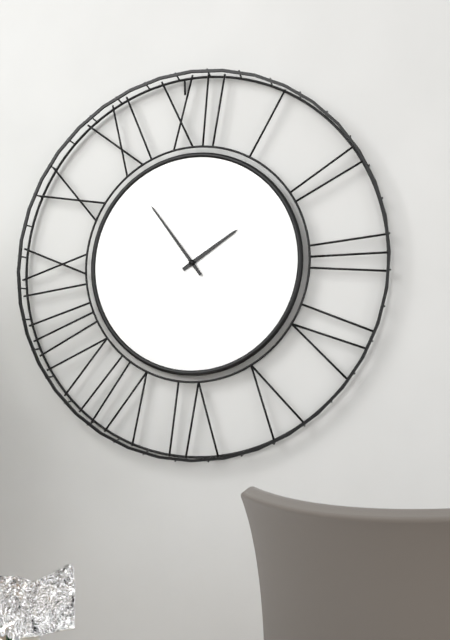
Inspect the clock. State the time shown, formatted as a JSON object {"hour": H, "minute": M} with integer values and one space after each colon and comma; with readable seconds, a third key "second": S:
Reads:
{"hour": 1, "minute": 54}
